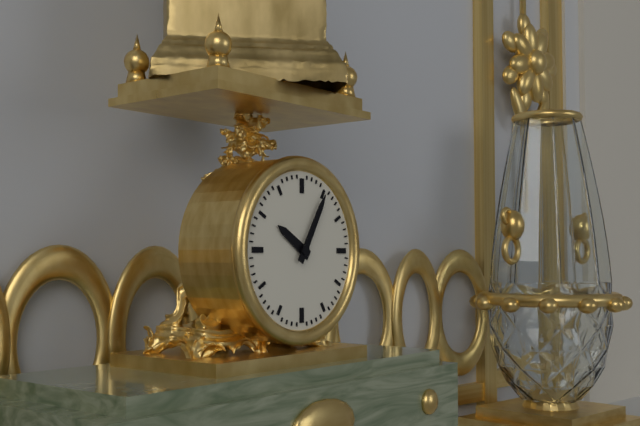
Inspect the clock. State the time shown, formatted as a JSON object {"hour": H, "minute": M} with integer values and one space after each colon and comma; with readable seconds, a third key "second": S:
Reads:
{"hour": 10, "minute": 5}
